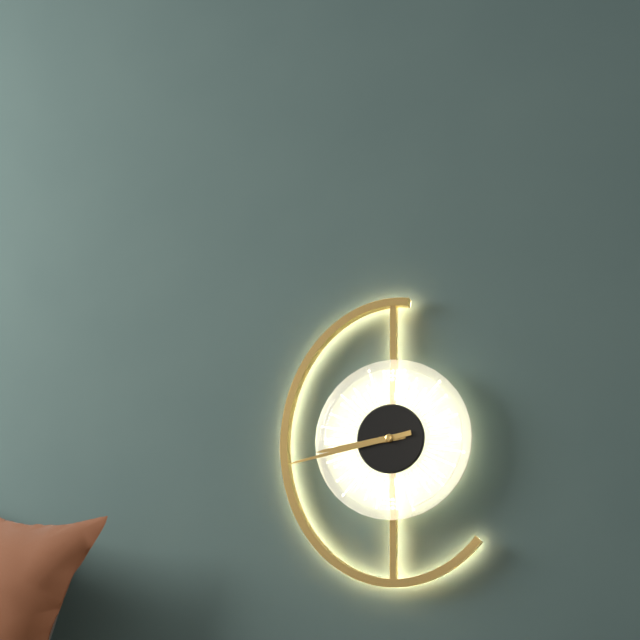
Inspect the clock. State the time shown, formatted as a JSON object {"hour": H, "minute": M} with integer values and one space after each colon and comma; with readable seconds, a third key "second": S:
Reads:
{"hour": 8, "minute": 43}
